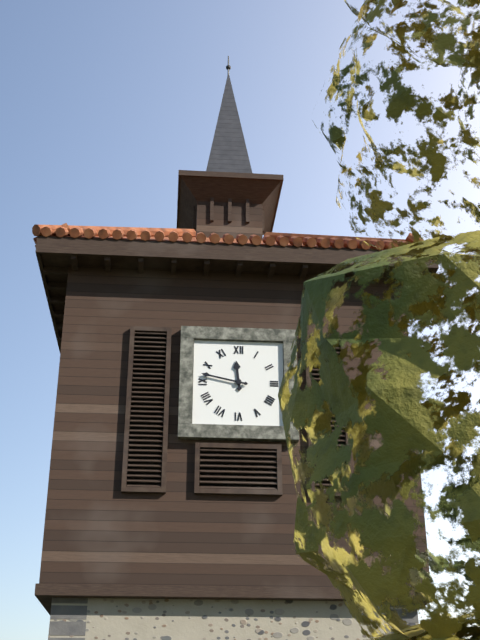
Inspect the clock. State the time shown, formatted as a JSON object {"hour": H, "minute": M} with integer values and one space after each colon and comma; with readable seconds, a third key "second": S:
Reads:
{"hour": 11, "minute": 47}
